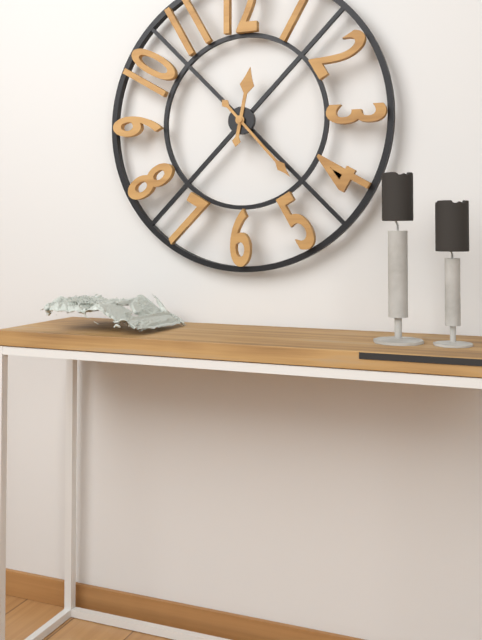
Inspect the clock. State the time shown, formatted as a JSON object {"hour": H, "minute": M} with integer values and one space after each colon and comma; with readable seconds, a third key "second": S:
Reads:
{"hour": 12, "minute": 23}
